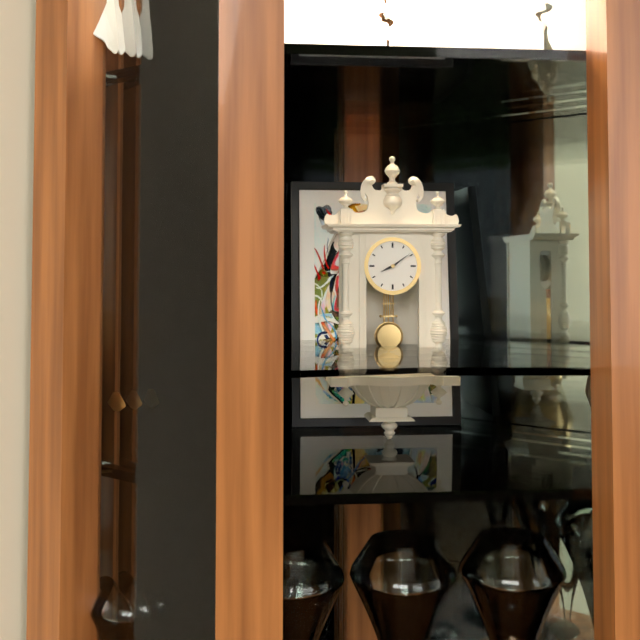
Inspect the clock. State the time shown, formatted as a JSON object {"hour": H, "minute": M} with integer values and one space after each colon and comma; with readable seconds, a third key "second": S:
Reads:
{"hour": 8, "minute": 9}
